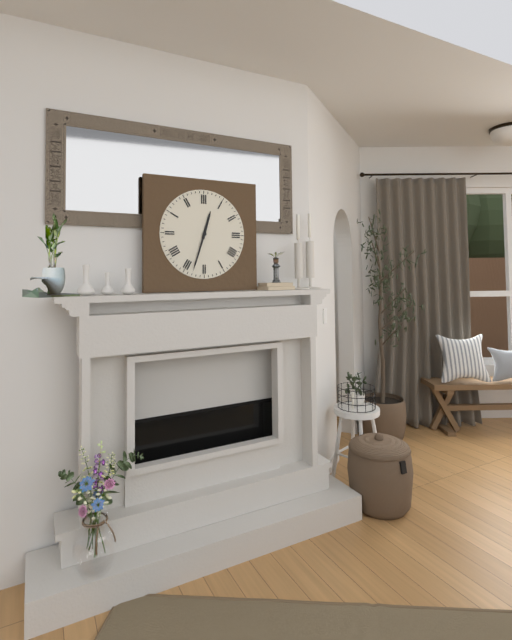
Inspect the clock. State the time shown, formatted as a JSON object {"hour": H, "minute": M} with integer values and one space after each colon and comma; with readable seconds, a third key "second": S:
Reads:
{"hour": 12, "minute": 33}
